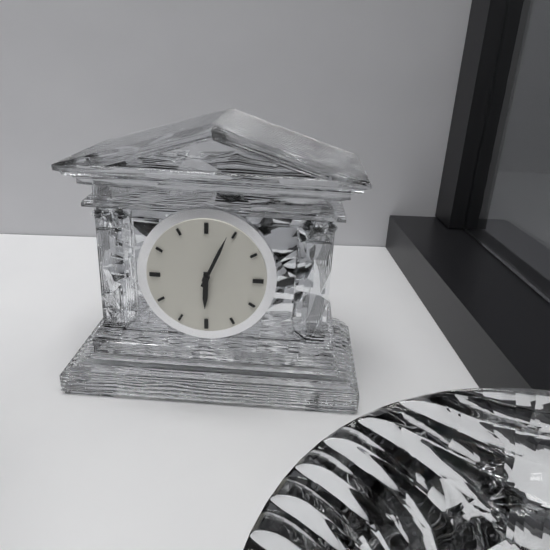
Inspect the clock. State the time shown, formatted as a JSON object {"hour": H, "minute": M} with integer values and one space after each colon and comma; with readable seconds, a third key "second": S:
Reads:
{"hour": 6, "minute": 4}
